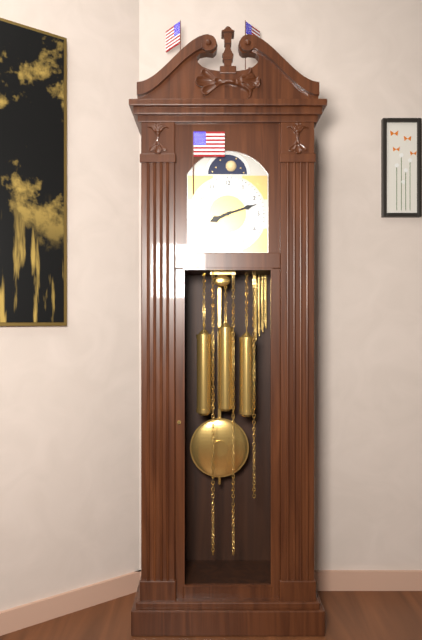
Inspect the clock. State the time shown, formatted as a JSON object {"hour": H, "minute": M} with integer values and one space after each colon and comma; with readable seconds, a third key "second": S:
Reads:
{"hour": 8, "minute": 12}
